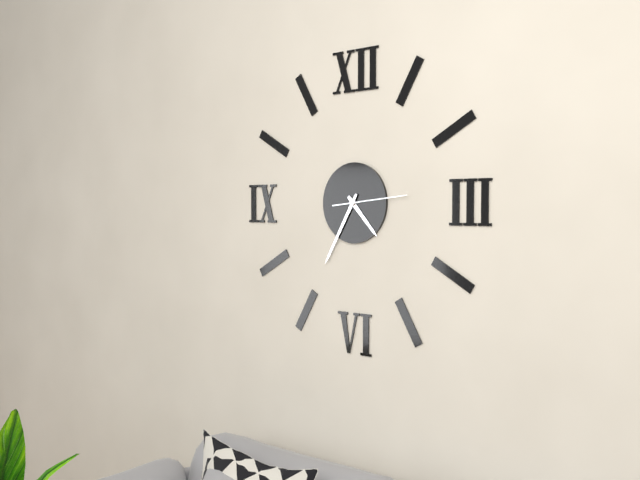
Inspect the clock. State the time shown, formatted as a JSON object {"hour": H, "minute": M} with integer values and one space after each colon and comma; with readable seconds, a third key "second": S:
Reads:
{"hour": 4, "minute": 35, "second": 14}
